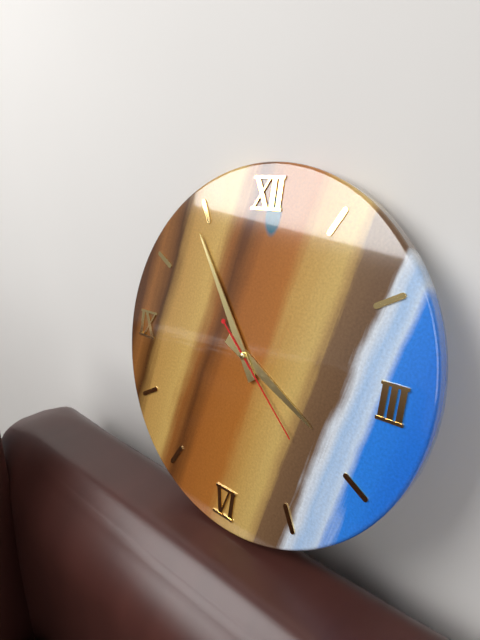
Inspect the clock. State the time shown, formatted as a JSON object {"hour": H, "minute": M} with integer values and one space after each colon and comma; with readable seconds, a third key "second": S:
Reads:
{"hour": 3, "minute": 54, "second": 22}
